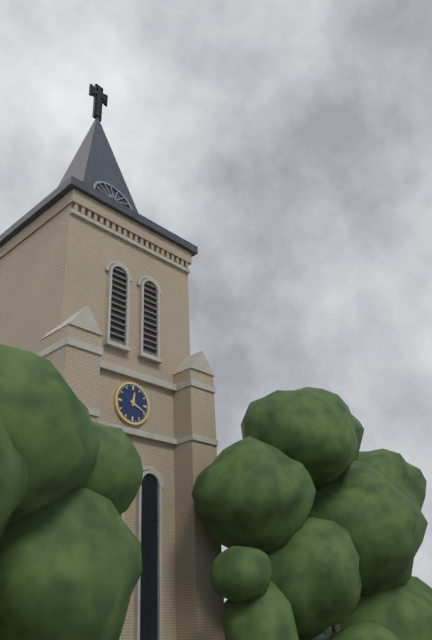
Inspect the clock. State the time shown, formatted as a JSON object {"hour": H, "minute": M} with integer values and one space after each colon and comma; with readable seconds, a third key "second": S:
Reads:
{"hour": 12, "minute": 19}
